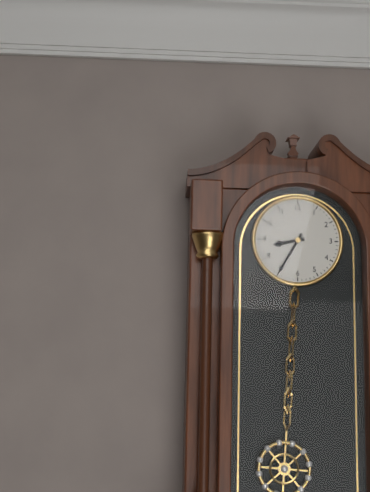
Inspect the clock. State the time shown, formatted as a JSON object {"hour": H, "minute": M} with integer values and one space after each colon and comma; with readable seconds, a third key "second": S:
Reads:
{"hour": 8, "minute": 35}
